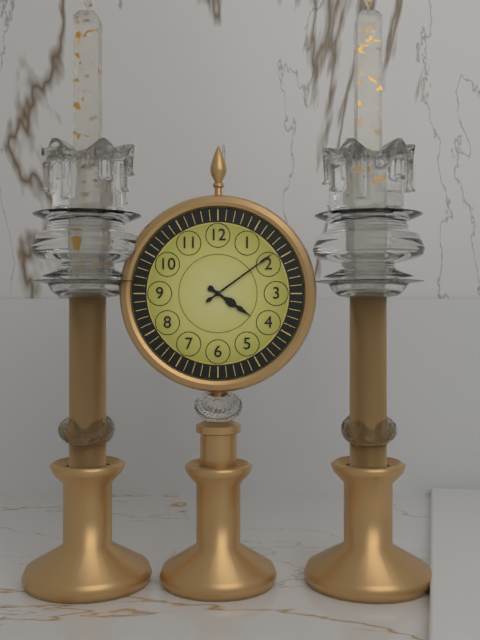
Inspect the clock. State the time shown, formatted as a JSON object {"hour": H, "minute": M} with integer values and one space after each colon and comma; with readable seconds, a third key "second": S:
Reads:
{"hour": 4, "minute": 9}
